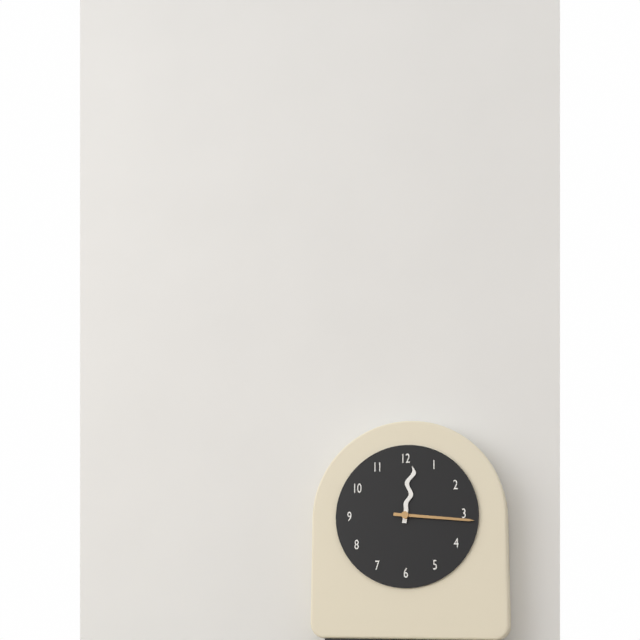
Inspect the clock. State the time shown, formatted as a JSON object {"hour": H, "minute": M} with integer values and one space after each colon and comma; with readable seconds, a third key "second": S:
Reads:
{"hour": 12, "minute": 16}
